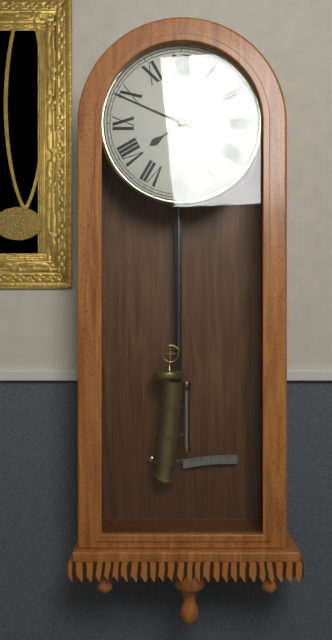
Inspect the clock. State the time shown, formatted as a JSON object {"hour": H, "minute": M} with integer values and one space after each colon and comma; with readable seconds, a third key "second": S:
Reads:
{"hour": 7, "minute": 49}
